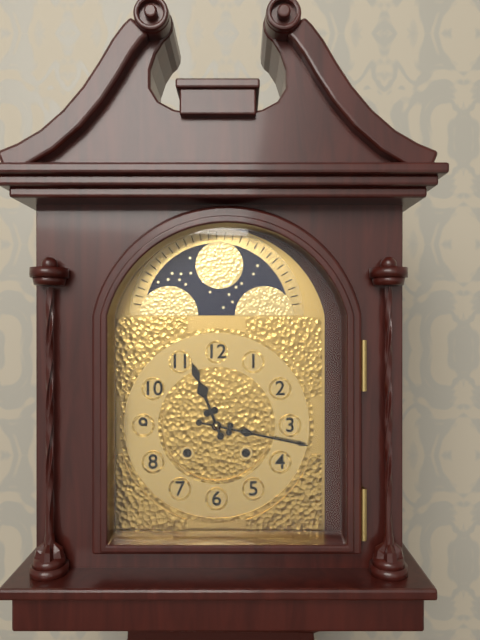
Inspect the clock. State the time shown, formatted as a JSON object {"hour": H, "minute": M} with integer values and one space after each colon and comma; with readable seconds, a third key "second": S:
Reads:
{"hour": 11, "minute": 17}
